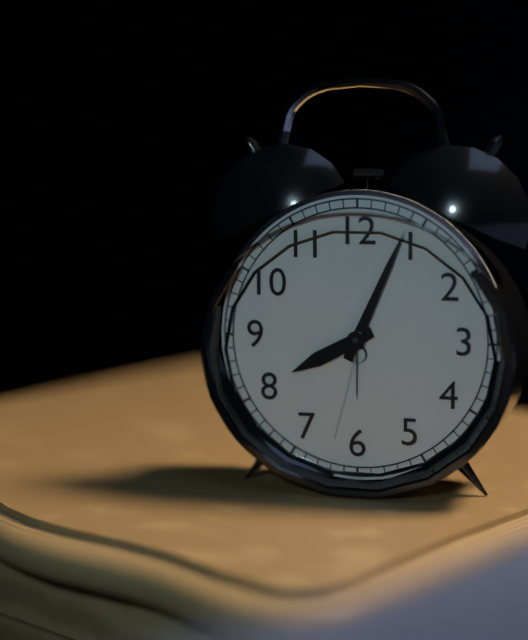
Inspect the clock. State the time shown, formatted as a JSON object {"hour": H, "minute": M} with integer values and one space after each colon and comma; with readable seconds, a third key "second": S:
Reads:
{"hour": 8, "minute": 4}
